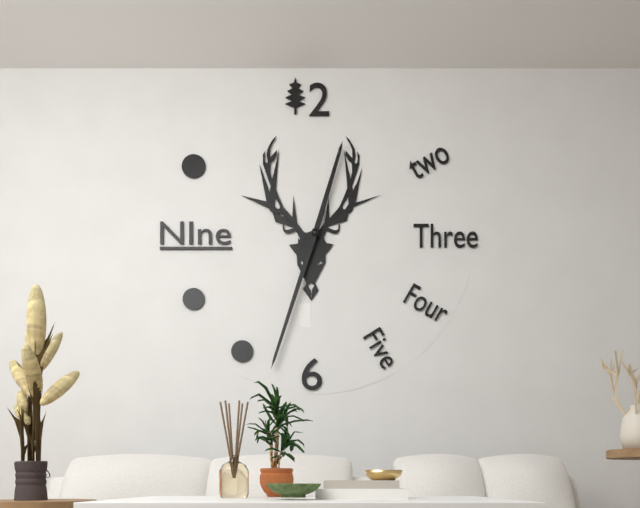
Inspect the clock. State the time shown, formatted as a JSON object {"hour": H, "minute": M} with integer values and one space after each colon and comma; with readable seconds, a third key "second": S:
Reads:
{"hour": 12, "minute": 33}
